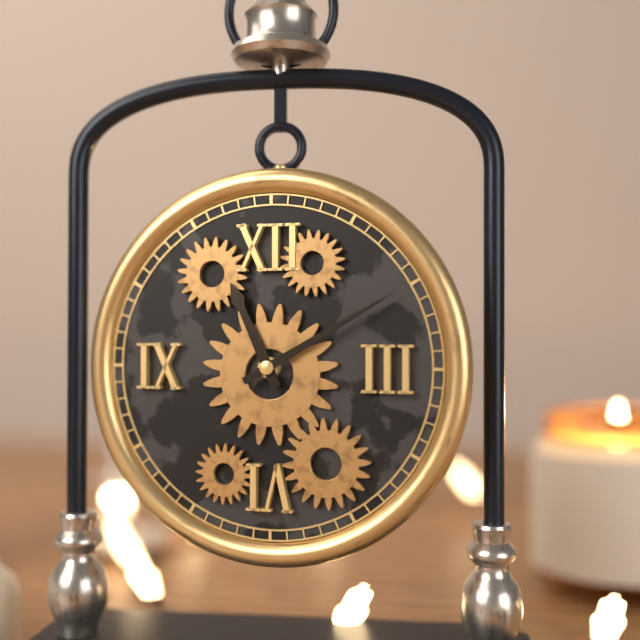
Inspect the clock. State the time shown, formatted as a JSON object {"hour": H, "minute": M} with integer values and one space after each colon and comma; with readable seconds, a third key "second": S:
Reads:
{"hour": 11, "minute": 10}
